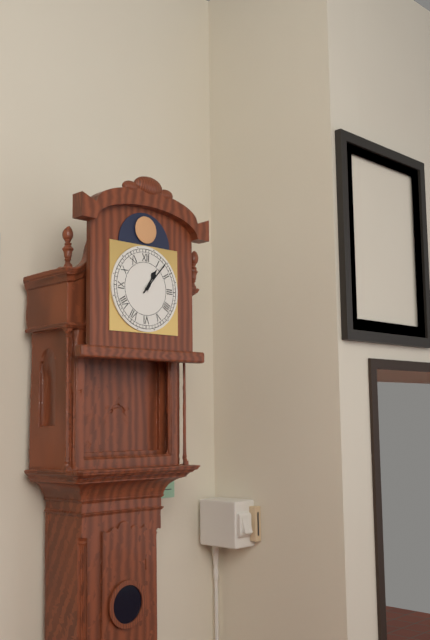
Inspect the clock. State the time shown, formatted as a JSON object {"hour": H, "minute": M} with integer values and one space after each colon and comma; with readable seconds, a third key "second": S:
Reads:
{"hour": 1, "minute": 7}
